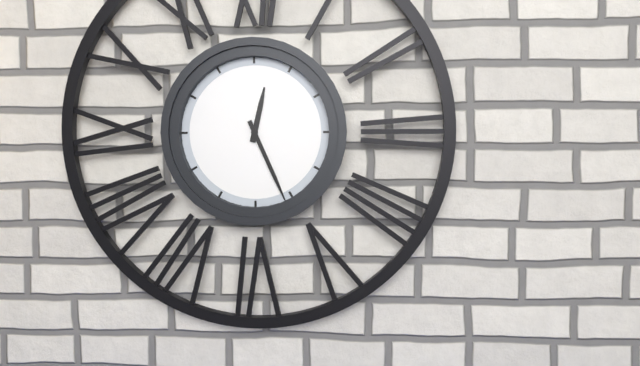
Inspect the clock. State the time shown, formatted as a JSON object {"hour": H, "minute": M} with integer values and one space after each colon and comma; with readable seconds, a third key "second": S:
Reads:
{"hour": 12, "minute": 26}
